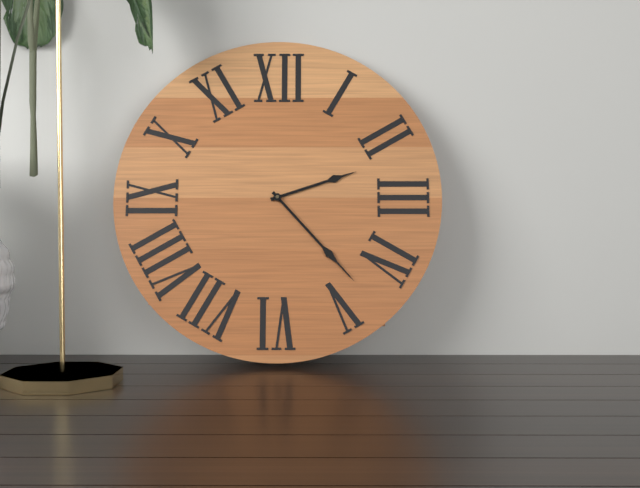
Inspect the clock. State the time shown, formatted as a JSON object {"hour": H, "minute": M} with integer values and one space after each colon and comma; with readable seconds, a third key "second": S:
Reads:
{"hour": 2, "minute": 23}
